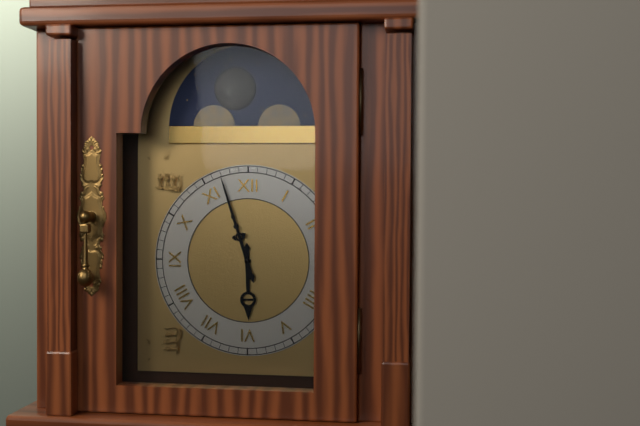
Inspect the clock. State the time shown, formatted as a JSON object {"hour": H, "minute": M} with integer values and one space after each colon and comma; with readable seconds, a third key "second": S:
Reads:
{"hour": 5, "minute": 57}
